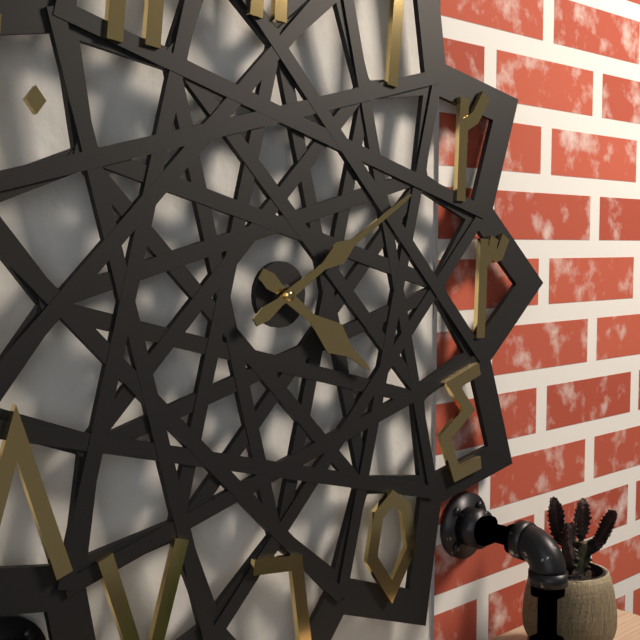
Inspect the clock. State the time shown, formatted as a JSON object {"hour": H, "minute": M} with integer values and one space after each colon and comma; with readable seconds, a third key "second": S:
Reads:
{"hour": 4, "minute": 10}
